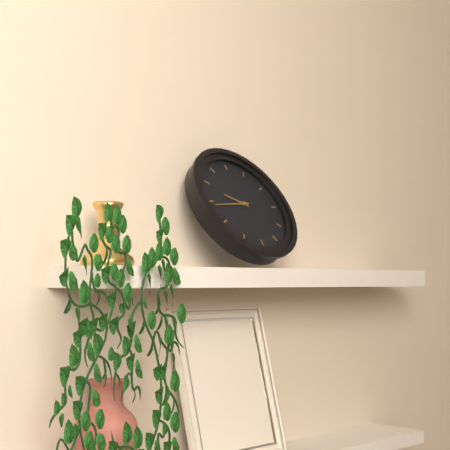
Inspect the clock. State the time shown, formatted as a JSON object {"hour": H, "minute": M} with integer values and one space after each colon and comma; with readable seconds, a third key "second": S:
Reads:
{"hour": 9, "minute": 44}
